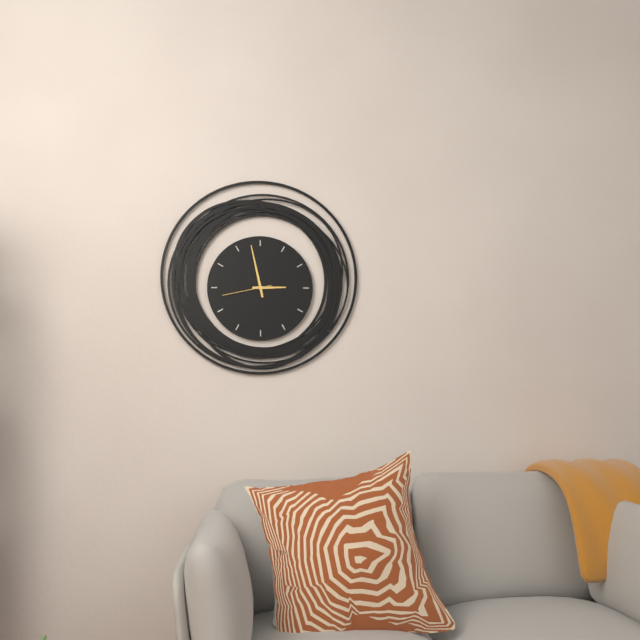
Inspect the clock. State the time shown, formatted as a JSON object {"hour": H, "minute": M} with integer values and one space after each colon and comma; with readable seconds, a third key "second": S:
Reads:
{"hour": 2, "minute": 58}
